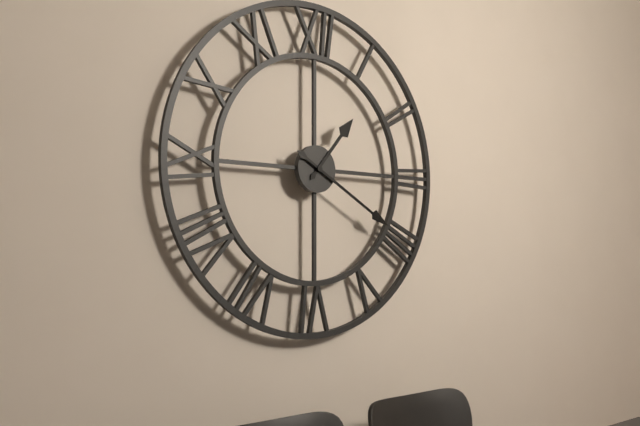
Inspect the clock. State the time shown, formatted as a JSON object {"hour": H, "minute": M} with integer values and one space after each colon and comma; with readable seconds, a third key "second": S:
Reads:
{"hour": 1, "minute": 20}
